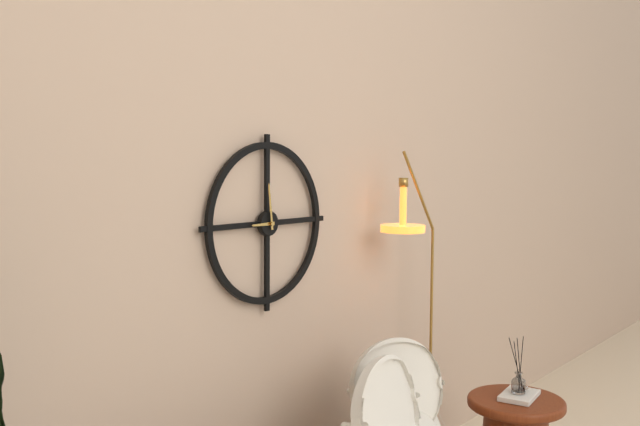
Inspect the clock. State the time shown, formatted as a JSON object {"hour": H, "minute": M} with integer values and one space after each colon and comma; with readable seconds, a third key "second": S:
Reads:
{"hour": 8, "minute": 59}
